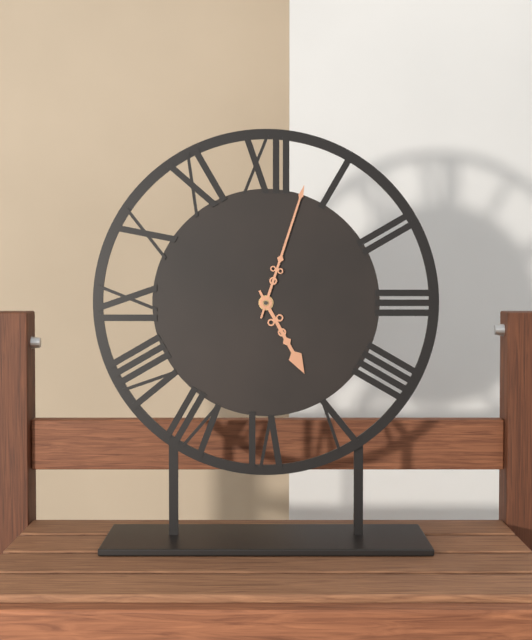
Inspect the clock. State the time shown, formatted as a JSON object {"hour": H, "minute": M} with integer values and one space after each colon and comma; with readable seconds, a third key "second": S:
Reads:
{"hour": 5, "minute": 3}
